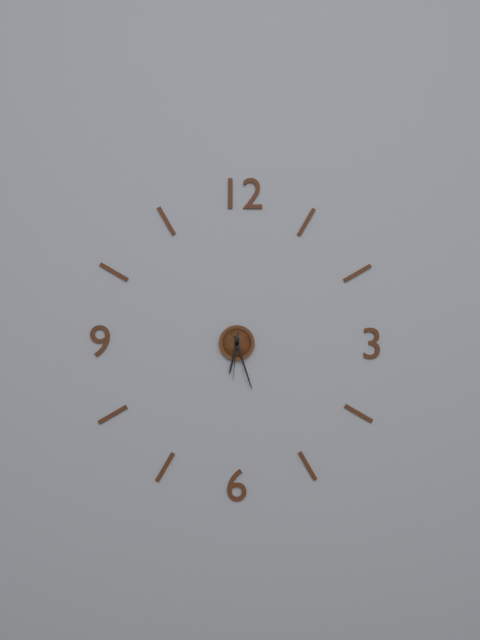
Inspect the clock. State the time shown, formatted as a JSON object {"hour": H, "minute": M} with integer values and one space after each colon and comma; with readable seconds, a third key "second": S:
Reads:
{"hour": 6, "minute": 27}
